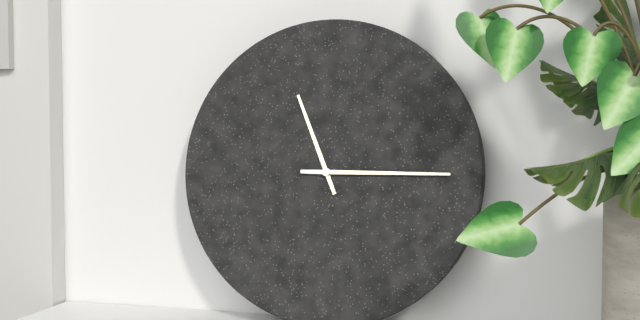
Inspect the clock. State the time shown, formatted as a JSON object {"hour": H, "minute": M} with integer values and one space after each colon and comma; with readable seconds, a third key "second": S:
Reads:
{"hour": 11, "minute": 15}
